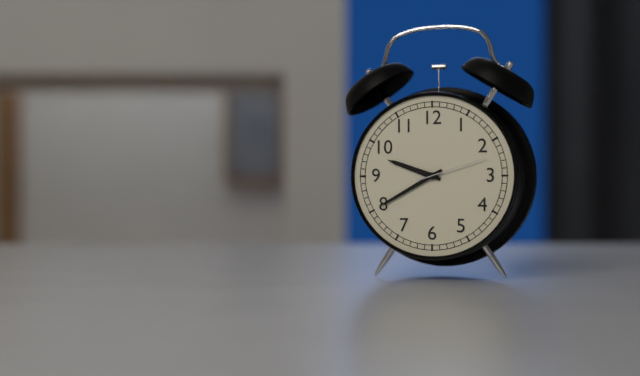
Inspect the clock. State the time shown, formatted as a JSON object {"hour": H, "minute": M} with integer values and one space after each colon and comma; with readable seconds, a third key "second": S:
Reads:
{"hour": 9, "minute": 40, "second": 12}
